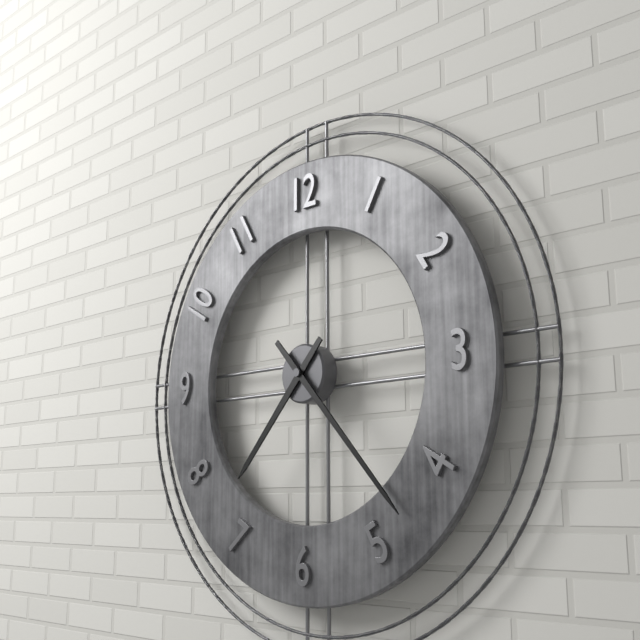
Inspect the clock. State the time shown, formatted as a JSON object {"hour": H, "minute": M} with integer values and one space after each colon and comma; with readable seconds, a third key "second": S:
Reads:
{"hour": 7, "minute": 23}
